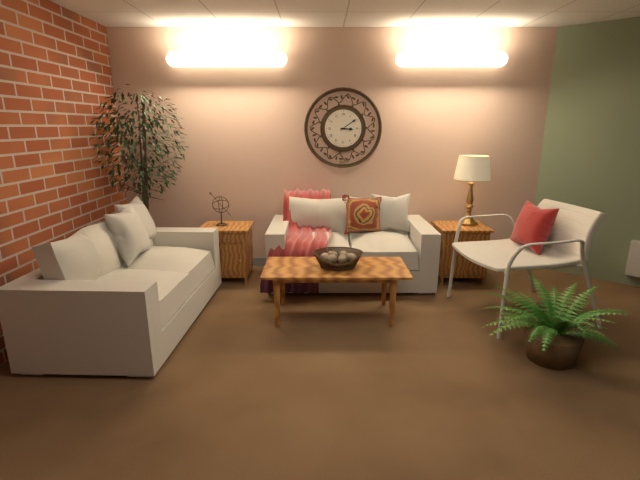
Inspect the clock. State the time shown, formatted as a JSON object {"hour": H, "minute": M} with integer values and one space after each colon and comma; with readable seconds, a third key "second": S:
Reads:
{"hour": 3, "minute": 9}
